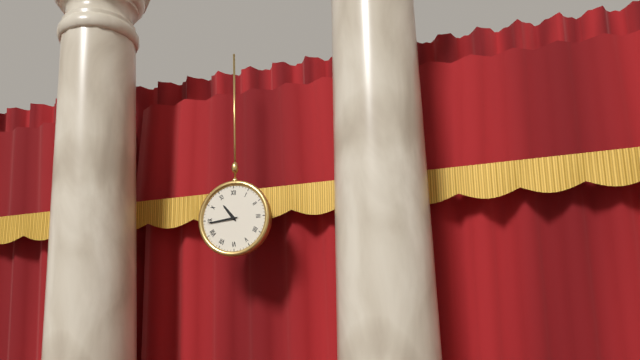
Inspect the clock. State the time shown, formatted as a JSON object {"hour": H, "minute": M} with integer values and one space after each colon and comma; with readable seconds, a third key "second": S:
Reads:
{"hour": 10, "minute": 44}
